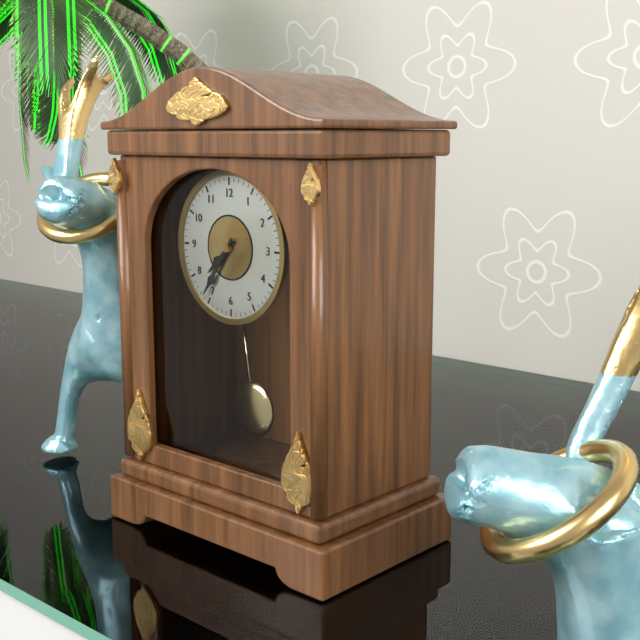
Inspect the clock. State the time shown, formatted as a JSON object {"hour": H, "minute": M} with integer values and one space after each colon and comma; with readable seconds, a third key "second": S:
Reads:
{"hour": 7, "minute": 36}
